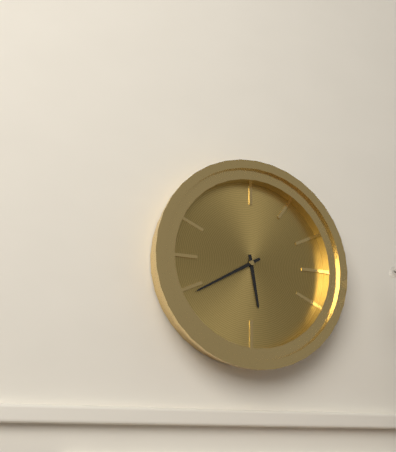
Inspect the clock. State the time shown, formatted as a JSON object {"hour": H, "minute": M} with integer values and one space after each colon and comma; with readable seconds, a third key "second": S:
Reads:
{"hour": 5, "minute": 40}
